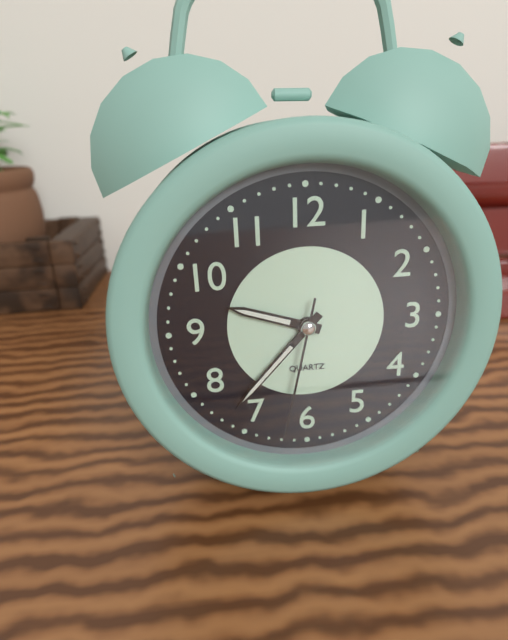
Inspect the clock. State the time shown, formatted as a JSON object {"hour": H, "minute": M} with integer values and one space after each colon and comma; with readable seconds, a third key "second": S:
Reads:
{"hour": 9, "minute": 37, "second": 32}
